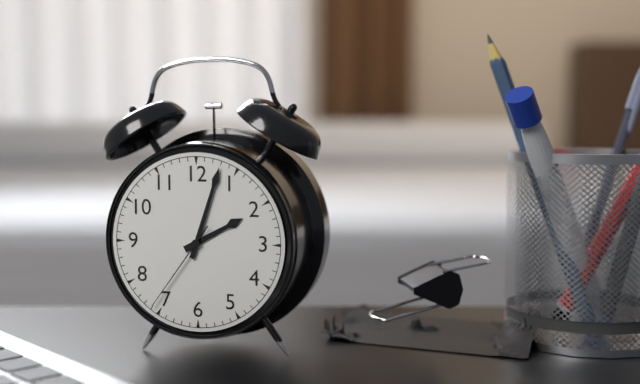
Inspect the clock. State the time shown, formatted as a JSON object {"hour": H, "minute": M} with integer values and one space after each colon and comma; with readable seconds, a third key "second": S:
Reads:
{"hour": 2, "minute": 3, "second": 36}
